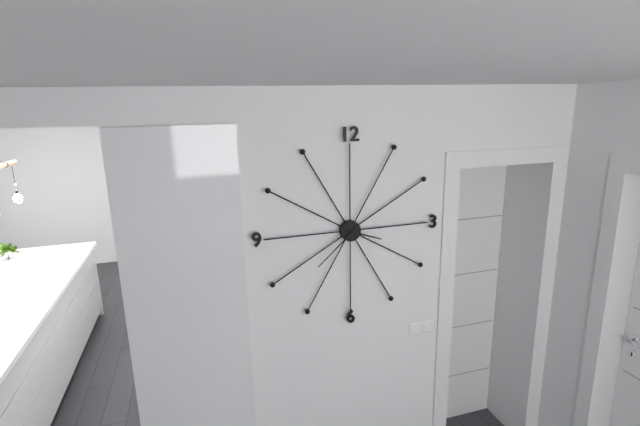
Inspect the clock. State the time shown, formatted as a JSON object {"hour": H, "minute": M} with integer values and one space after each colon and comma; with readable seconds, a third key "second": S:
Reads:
{"hour": 3, "minute": 38}
